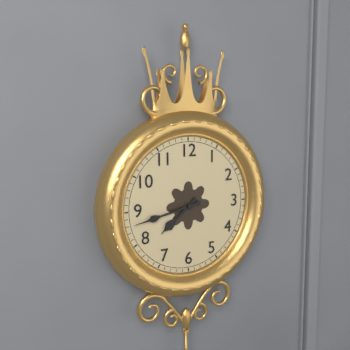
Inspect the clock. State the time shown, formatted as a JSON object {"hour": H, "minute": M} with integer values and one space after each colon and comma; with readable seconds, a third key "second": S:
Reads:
{"hour": 7, "minute": 43}
